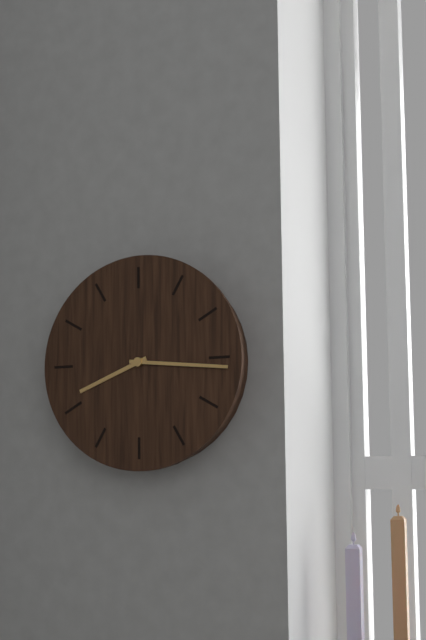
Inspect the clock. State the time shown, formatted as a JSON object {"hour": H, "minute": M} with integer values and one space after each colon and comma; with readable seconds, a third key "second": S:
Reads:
{"hour": 8, "minute": 16}
